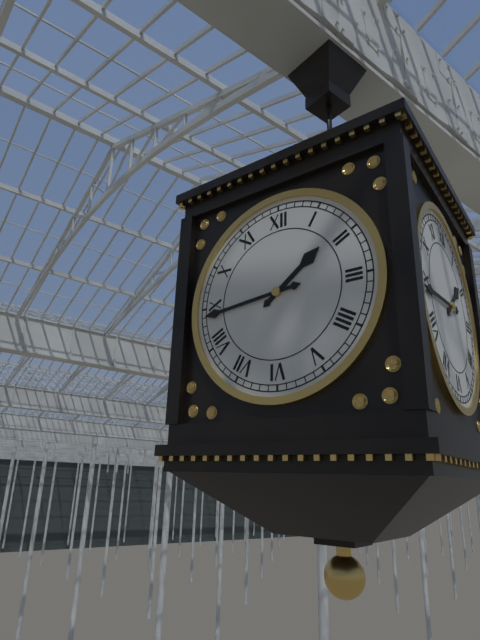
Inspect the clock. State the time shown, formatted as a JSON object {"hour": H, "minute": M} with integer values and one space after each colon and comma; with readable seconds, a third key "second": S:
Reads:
{"hour": 1, "minute": 44}
